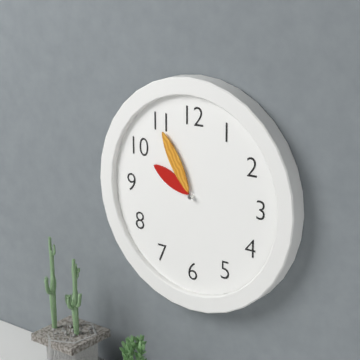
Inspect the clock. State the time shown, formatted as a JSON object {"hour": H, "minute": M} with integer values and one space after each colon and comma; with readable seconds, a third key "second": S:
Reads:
{"hour": 9, "minute": 55}
